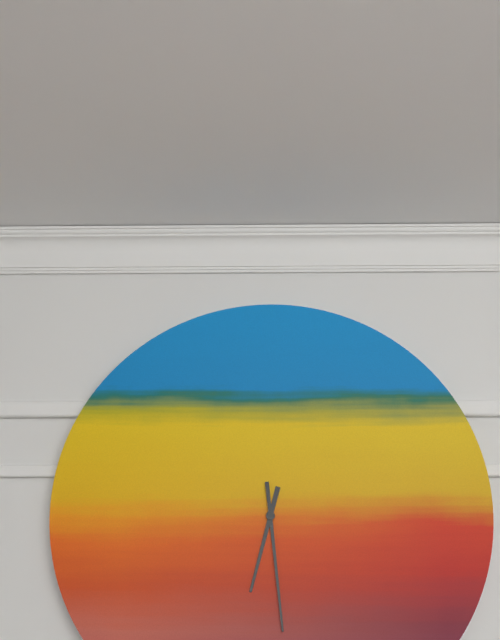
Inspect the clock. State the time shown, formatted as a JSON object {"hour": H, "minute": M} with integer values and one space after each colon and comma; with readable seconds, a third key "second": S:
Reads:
{"hour": 6, "minute": 29}
